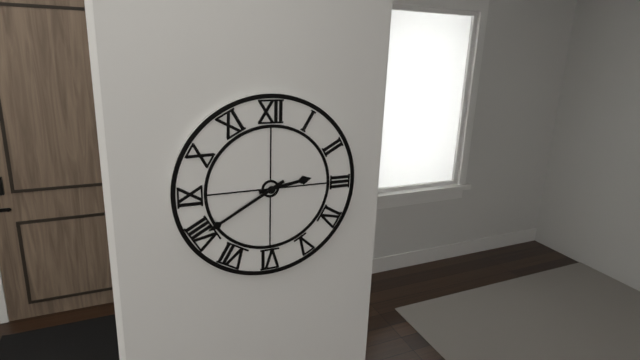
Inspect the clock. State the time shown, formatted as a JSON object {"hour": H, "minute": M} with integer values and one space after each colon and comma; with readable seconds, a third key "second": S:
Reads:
{"hour": 2, "minute": 40}
